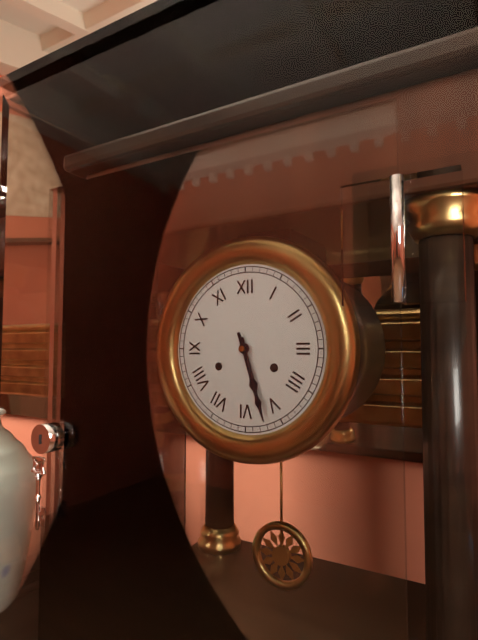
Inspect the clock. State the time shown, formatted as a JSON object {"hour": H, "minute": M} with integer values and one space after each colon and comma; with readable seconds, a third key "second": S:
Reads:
{"hour": 5, "minute": 27}
